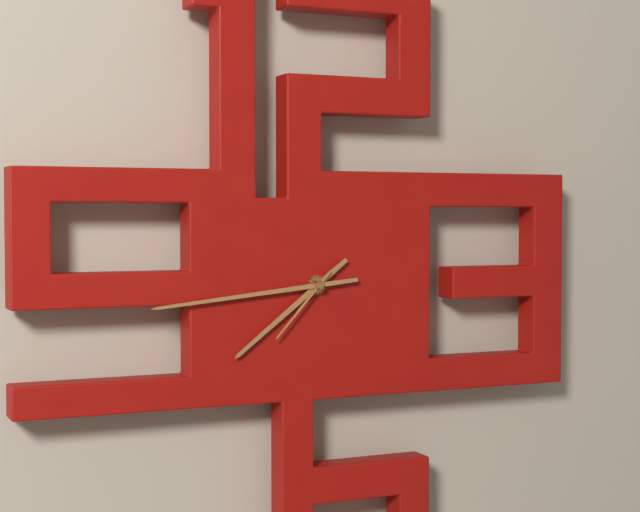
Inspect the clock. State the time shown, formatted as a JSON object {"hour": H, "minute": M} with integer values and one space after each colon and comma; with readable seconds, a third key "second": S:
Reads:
{"hour": 7, "minute": 44, "second": 37}
